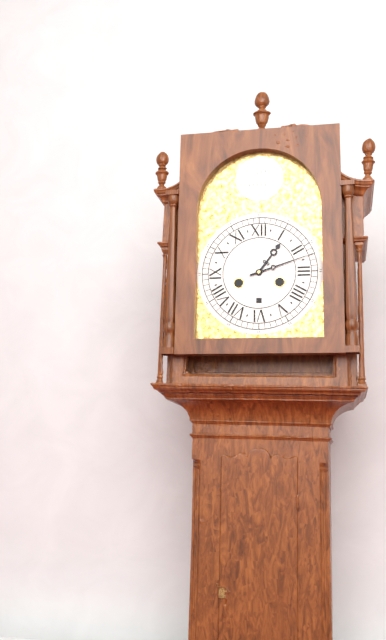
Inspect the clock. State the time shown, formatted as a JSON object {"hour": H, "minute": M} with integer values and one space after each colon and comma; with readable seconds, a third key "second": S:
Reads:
{"hour": 1, "minute": 12}
